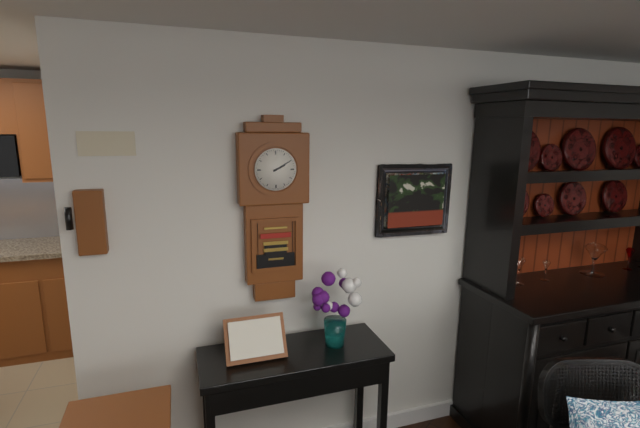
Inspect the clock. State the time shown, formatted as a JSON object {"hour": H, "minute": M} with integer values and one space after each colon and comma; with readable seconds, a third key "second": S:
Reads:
{"hour": 2, "minute": 10}
